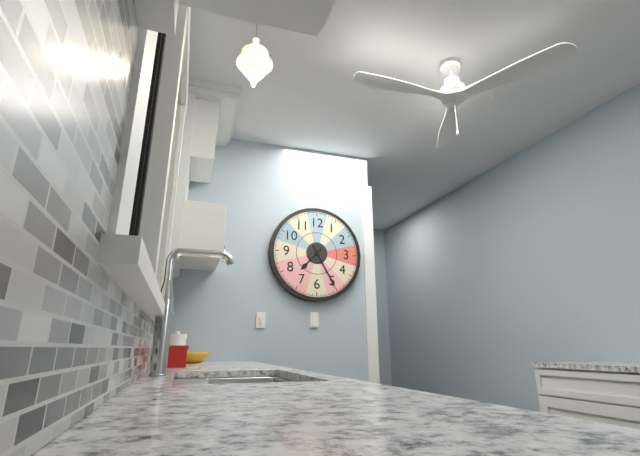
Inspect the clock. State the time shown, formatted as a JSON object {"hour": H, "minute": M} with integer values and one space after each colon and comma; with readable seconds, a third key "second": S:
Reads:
{"hour": 7, "minute": 25}
